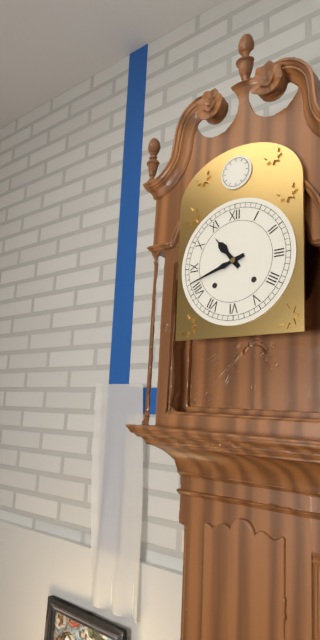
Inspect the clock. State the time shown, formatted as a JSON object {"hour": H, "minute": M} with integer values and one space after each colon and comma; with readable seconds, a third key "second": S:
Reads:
{"hour": 10, "minute": 42}
